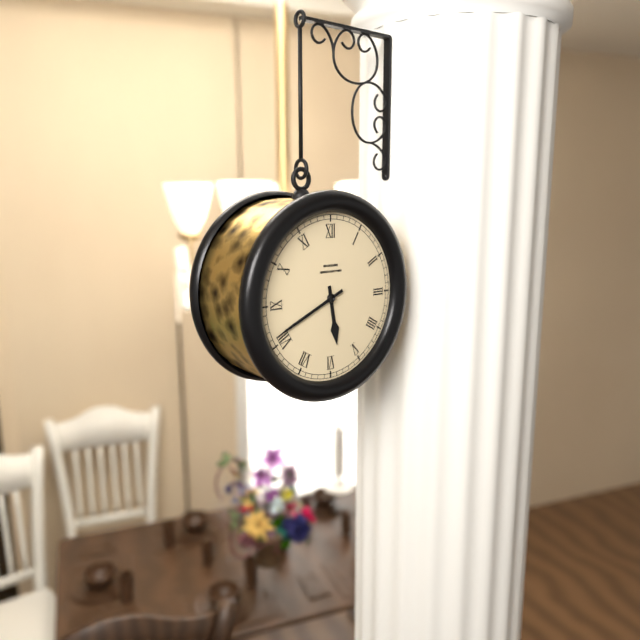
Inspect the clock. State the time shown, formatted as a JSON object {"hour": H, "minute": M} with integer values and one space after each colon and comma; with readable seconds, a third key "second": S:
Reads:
{"hour": 5, "minute": 41}
